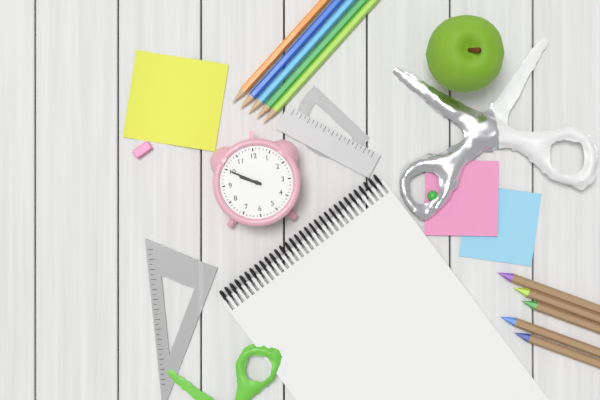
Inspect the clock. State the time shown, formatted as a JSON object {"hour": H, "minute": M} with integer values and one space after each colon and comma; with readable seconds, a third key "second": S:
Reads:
{"hour": 9, "minute": 50}
